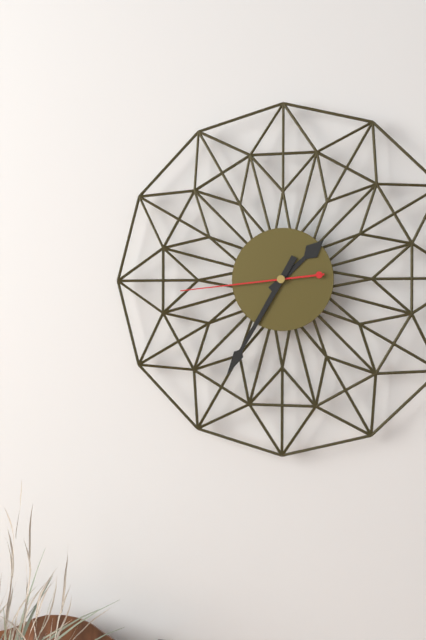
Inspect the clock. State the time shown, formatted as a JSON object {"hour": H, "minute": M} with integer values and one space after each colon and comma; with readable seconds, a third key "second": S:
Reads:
{"hour": 1, "minute": 35, "second": 44}
